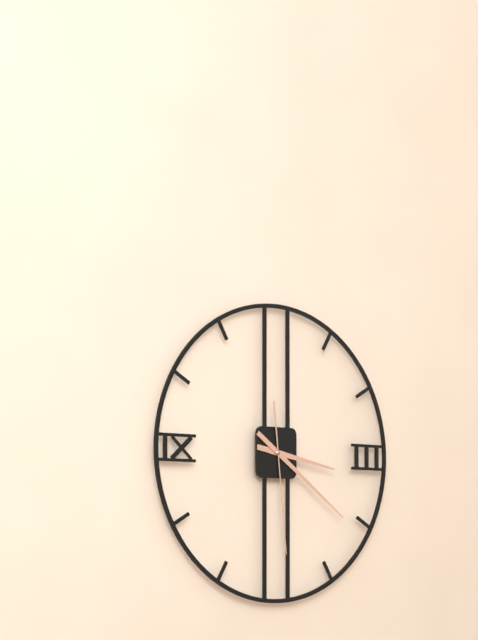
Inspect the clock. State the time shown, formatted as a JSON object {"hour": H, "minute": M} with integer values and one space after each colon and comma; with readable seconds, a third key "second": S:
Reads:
{"hour": 3, "minute": 21, "second": 29}
